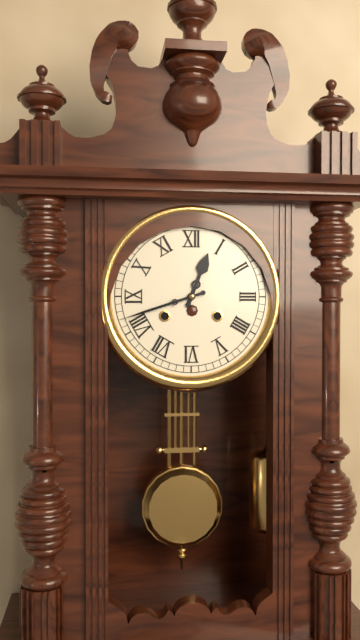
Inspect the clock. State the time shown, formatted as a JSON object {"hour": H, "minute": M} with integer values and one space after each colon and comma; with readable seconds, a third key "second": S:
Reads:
{"hour": 12, "minute": 42}
